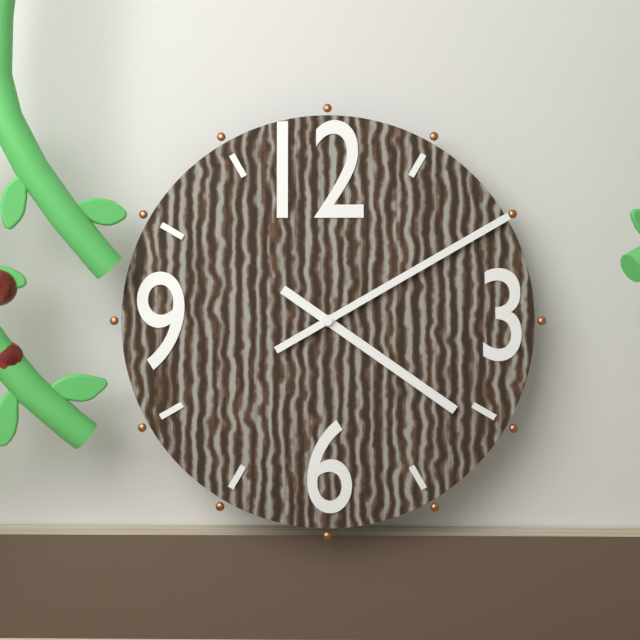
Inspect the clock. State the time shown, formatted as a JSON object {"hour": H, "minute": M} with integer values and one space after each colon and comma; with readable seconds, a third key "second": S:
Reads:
{"hour": 4, "minute": 10}
